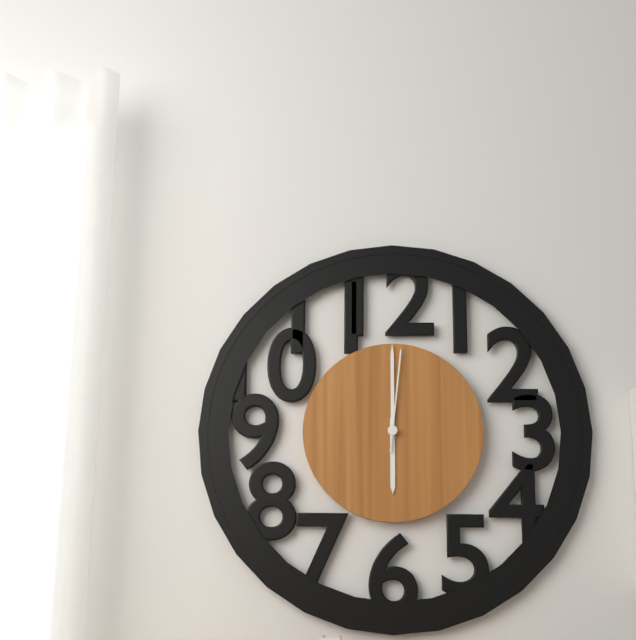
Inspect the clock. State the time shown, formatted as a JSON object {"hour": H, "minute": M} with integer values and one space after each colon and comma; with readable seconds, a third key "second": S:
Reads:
{"hour": 6, "minute": 0, "second": 1}
